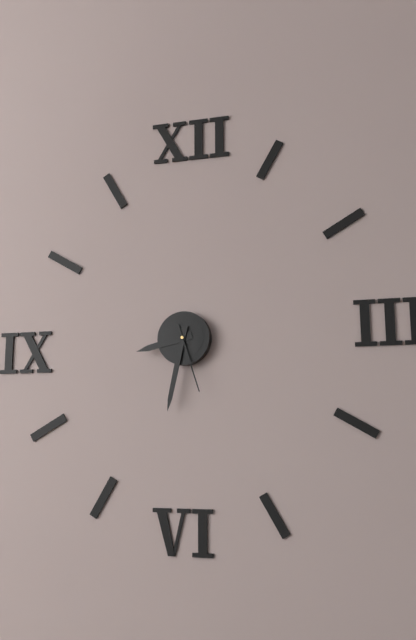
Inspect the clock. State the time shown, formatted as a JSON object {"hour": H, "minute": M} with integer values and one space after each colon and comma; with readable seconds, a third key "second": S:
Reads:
{"hour": 8, "minute": 32, "second": 27}
